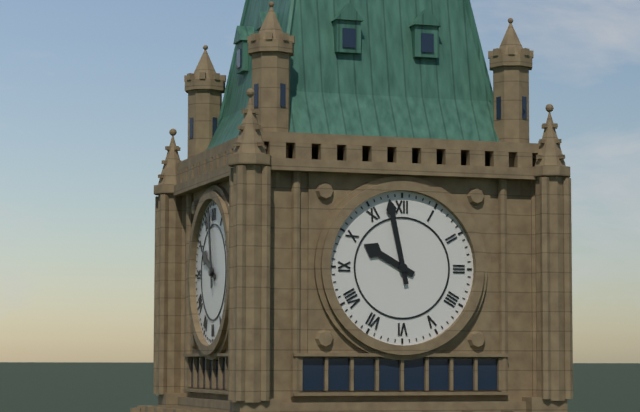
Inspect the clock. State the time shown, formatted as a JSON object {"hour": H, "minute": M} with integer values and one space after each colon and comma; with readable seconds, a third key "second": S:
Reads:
{"hour": 9, "minute": 58}
